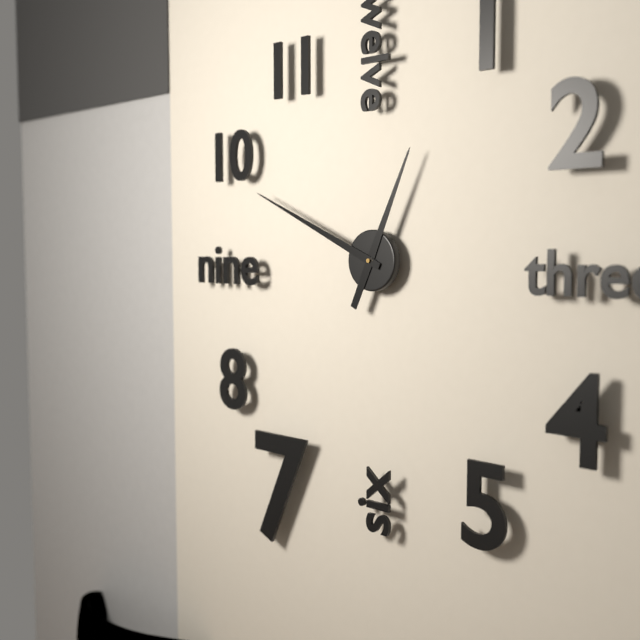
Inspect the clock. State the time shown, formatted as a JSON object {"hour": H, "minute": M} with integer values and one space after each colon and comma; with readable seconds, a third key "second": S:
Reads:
{"hour": 12, "minute": 49}
